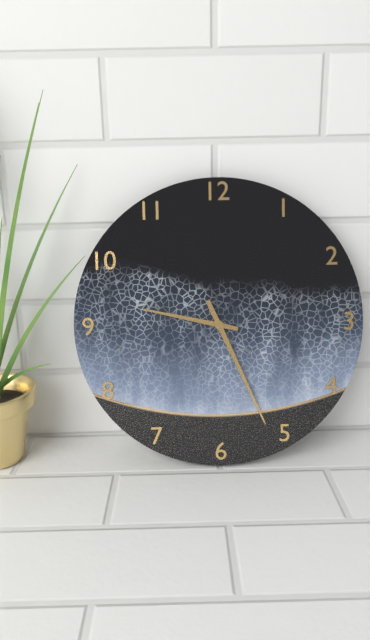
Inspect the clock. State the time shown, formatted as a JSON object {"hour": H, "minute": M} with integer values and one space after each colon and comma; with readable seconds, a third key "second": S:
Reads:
{"hour": 9, "minute": 26}
